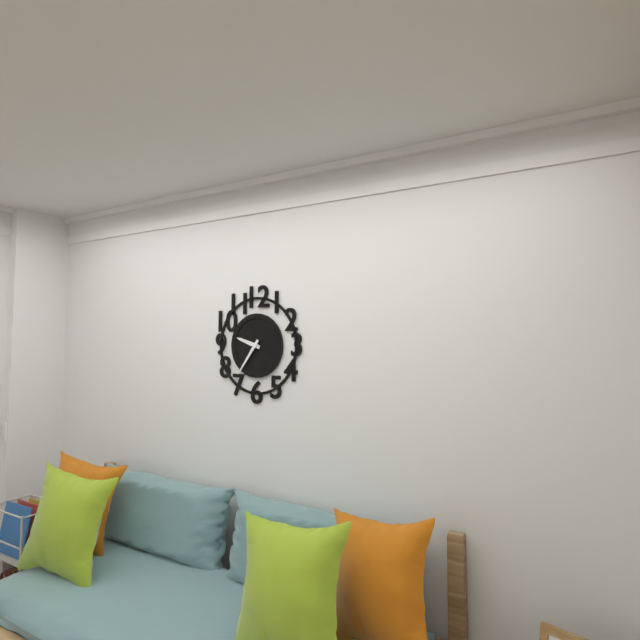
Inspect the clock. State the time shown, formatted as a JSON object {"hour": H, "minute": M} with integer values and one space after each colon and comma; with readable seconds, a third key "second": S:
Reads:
{"hour": 9, "minute": 36}
